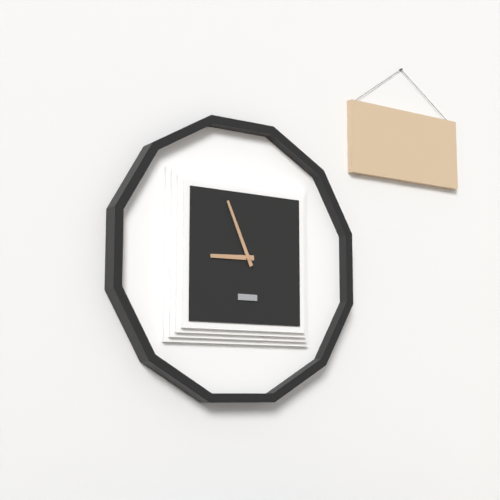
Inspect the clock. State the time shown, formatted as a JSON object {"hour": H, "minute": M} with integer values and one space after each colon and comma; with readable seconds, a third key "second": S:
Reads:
{"hour": 8, "minute": 56}
